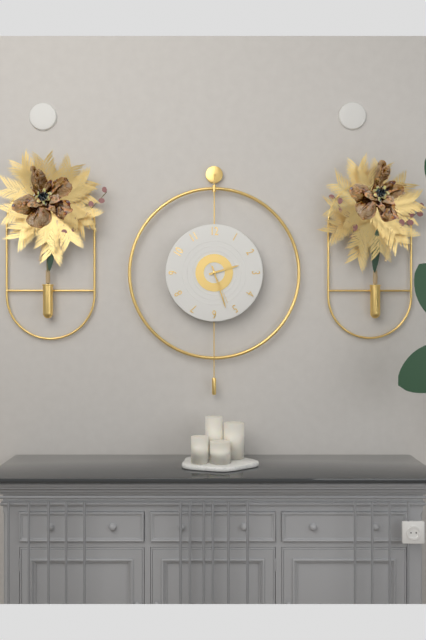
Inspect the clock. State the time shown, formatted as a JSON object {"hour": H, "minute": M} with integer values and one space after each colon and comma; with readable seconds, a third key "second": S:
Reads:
{"hour": 2, "minute": 27}
